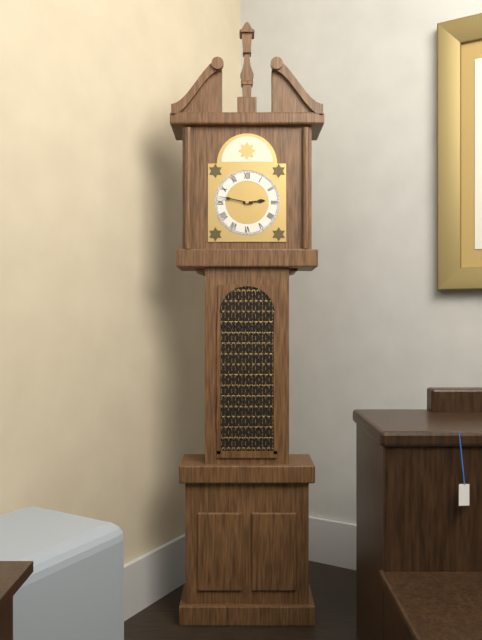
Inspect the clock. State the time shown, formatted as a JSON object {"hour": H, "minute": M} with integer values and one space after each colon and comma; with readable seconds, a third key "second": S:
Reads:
{"hour": 2, "minute": 47}
